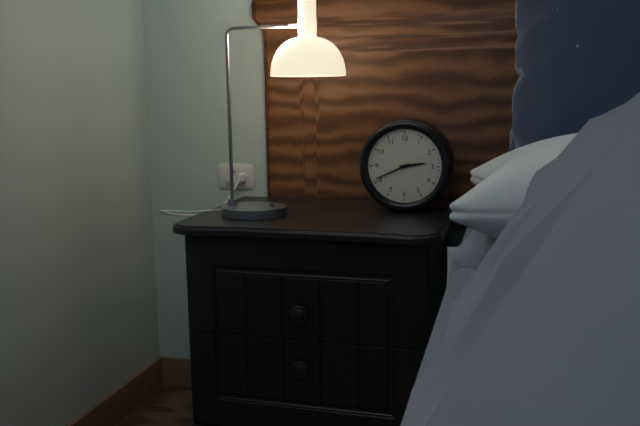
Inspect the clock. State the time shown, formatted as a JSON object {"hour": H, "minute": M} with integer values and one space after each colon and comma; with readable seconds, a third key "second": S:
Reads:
{"hour": 2, "minute": 41}
